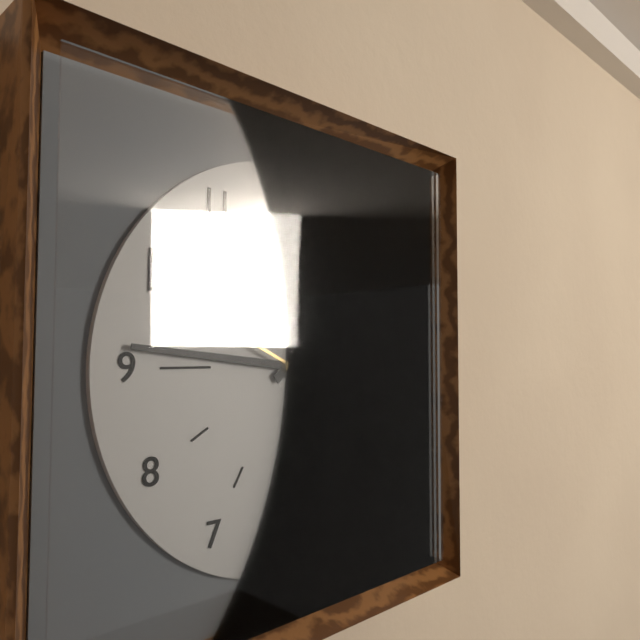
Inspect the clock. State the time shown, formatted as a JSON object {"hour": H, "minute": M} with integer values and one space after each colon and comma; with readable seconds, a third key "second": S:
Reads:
{"hour": 1, "minute": 46, "second": 19}
